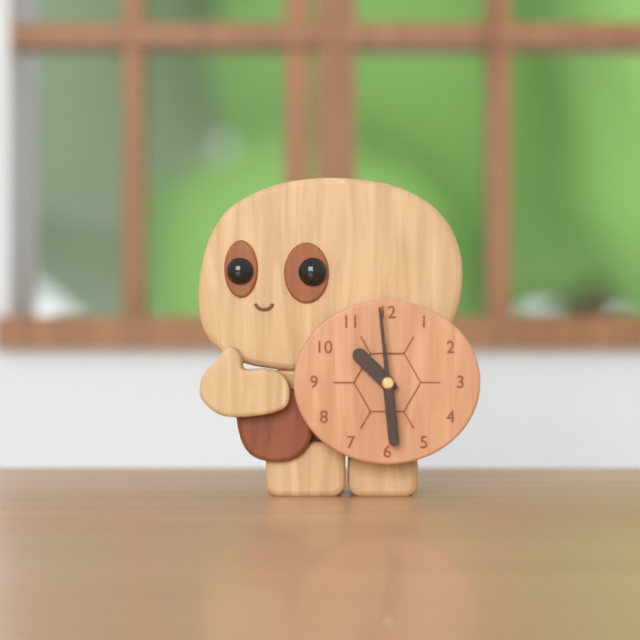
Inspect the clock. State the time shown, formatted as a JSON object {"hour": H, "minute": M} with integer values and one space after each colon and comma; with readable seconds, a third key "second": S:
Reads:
{"hour": 10, "minute": 29}
